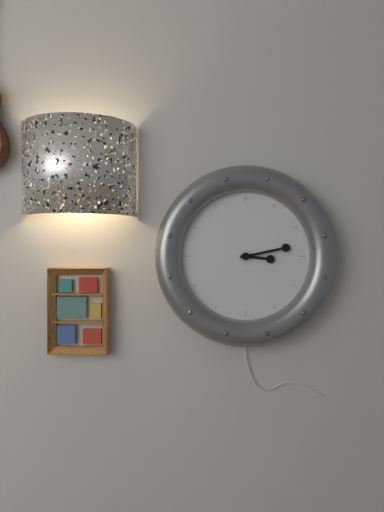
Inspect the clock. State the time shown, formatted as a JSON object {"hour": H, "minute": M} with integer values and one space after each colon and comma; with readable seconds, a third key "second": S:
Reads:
{"hour": 3, "minute": 13}
